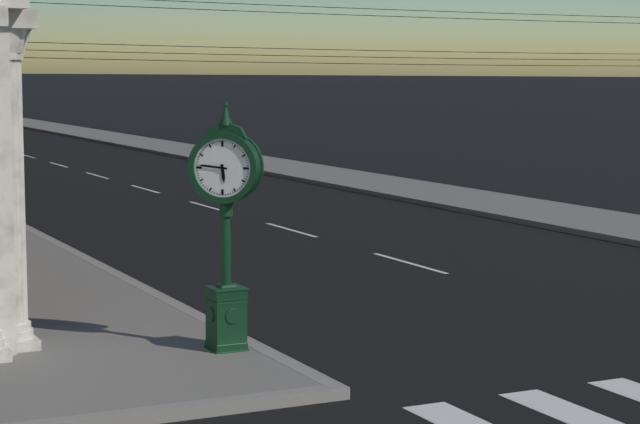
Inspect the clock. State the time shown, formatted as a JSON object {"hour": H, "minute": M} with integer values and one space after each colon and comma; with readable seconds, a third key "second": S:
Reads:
{"hour": 5, "minute": 46}
